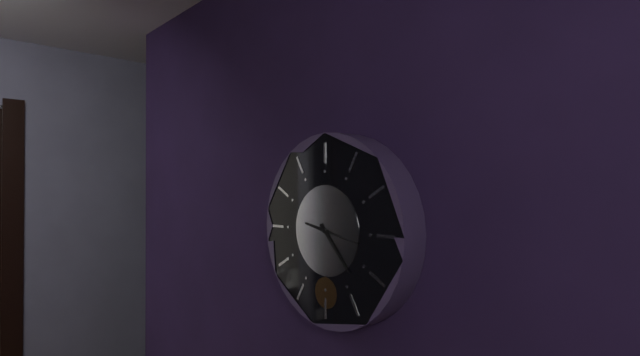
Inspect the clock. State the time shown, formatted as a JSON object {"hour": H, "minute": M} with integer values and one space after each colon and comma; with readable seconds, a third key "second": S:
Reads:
{"hour": 9, "minute": 23}
